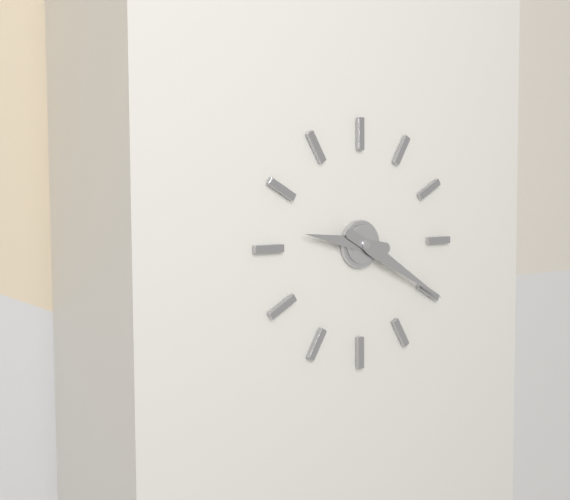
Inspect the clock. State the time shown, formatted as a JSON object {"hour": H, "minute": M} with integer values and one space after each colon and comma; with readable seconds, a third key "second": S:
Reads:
{"hour": 9, "minute": 20}
